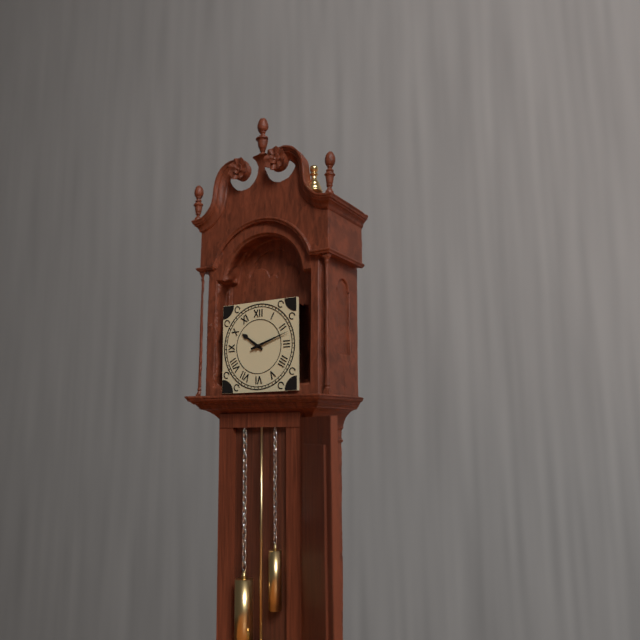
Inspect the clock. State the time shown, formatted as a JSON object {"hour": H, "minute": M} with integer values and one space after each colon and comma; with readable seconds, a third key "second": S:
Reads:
{"hour": 10, "minute": 12}
